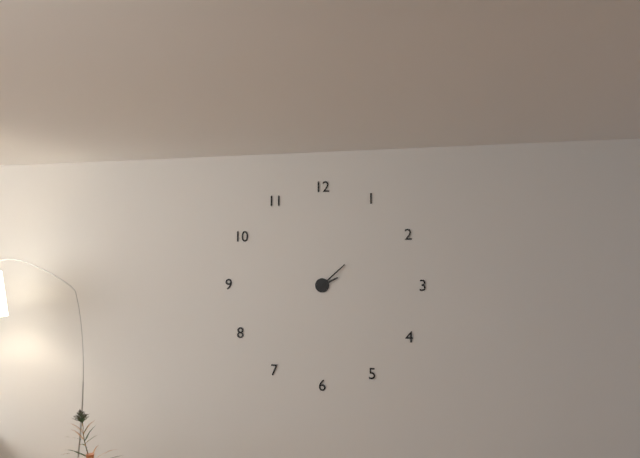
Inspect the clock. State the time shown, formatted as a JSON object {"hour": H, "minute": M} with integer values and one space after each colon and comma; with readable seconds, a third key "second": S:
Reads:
{"hour": 2, "minute": 8}
